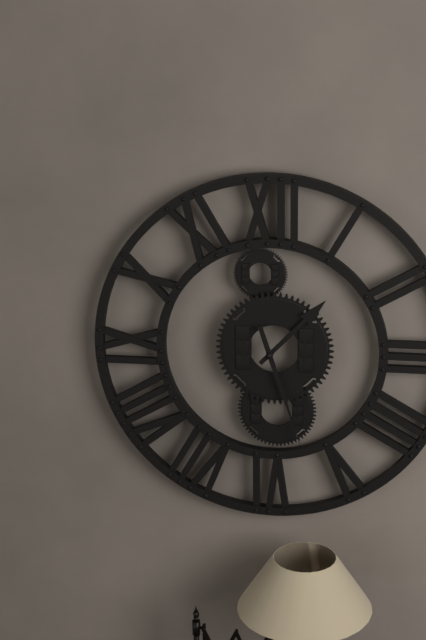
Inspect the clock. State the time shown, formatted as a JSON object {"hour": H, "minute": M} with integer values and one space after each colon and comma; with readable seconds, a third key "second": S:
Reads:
{"hour": 1, "minute": 27}
